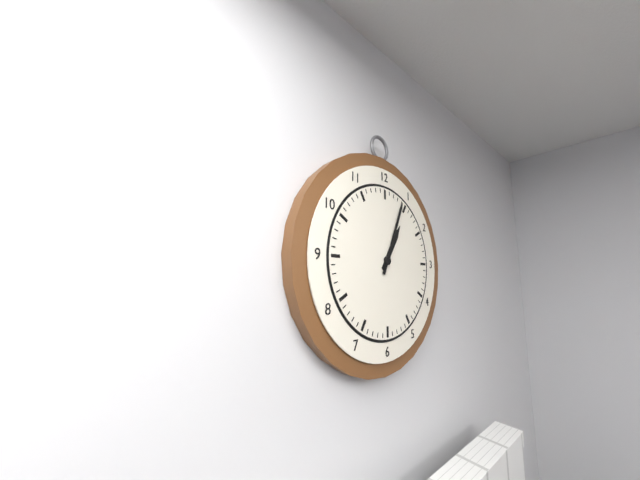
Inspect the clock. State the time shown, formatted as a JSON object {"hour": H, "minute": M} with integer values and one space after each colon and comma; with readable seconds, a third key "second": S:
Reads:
{"hour": 1, "minute": 4}
